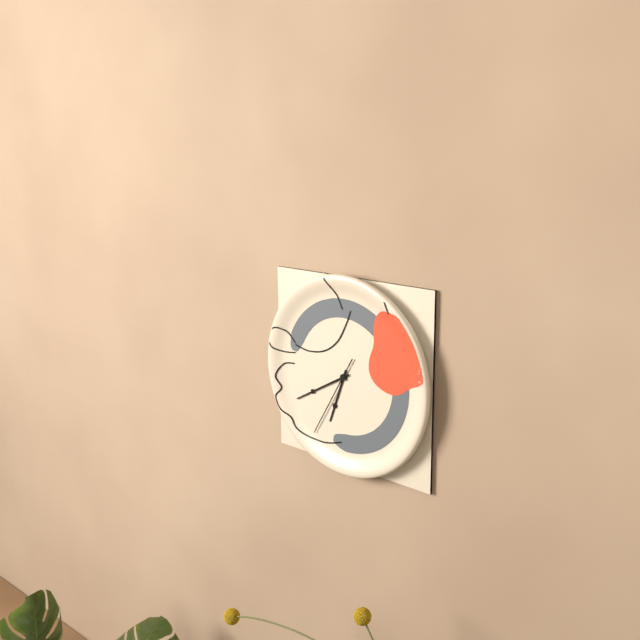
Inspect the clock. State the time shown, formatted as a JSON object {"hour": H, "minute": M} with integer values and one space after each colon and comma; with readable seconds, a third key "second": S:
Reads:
{"hour": 6, "minute": 40, "second": 35}
